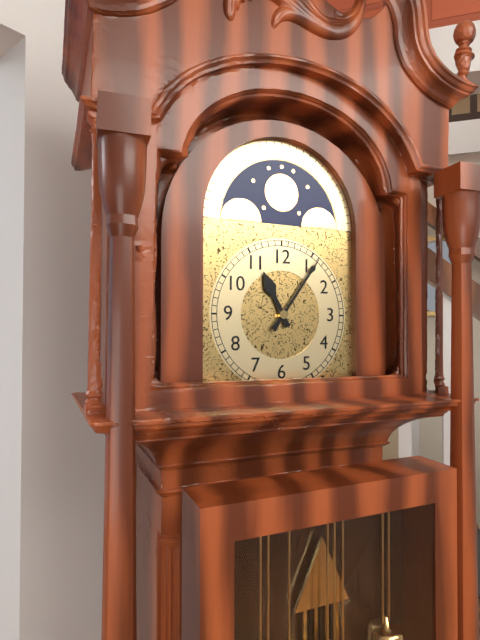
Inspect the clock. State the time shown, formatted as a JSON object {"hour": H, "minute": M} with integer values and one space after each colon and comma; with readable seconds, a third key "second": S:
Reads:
{"hour": 11, "minute": 6}
